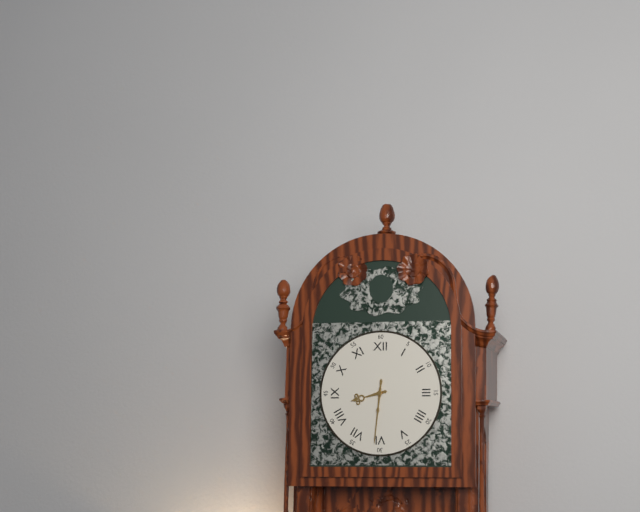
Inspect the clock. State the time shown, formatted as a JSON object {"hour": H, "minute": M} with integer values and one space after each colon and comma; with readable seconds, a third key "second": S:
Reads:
{"hour": 8, "minute": 31}
